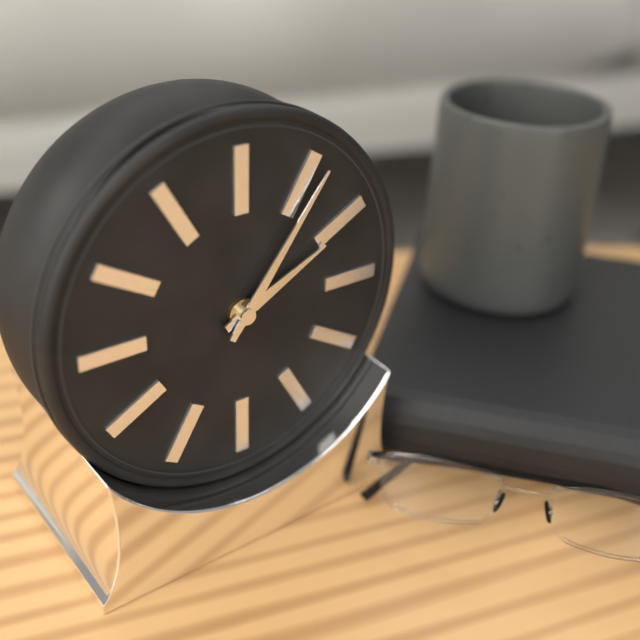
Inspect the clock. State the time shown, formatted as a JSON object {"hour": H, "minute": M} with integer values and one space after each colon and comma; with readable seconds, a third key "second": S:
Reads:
{"hour": 2, "minute": 6}
